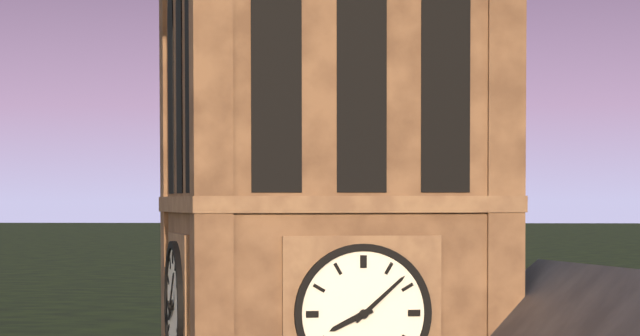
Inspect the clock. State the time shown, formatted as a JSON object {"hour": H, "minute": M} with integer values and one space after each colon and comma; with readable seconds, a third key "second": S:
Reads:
{"hour": 8, "minute": 8}
